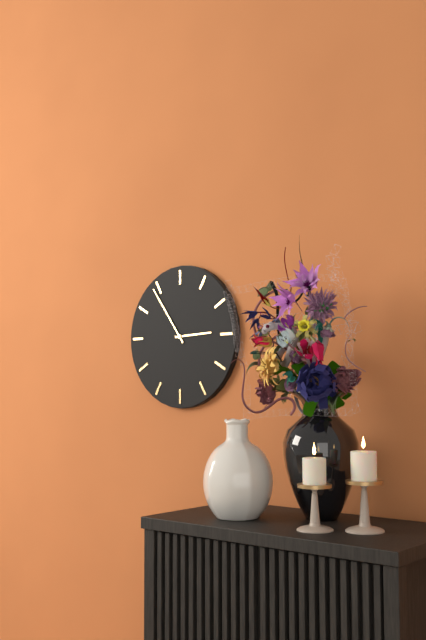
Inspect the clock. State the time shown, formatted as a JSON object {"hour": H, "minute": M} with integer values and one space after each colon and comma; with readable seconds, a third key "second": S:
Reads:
{"hour": 2, "minute": 54}
